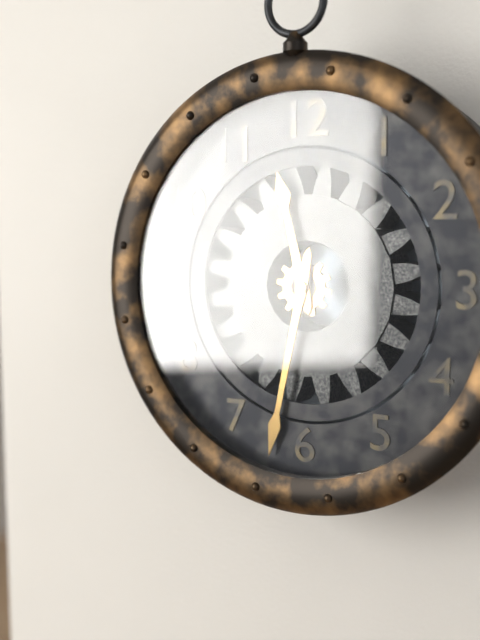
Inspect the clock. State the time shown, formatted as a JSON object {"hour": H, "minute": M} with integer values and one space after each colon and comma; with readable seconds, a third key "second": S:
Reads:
{"hour": 11, "minute": 32}
